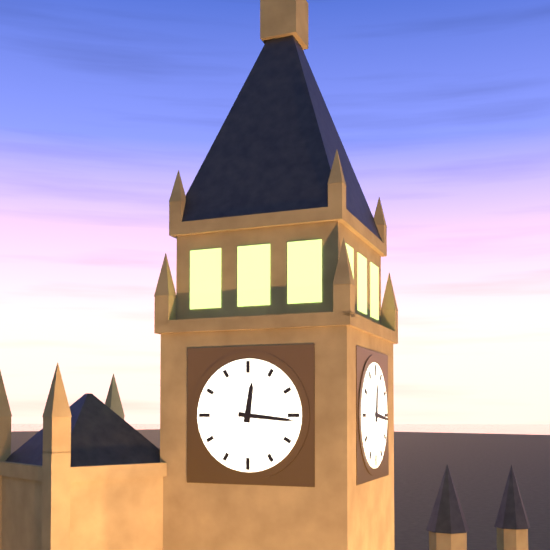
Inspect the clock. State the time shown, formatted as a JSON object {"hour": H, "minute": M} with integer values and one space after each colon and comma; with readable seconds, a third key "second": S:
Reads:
{"hour": 12, "minute": 16}
